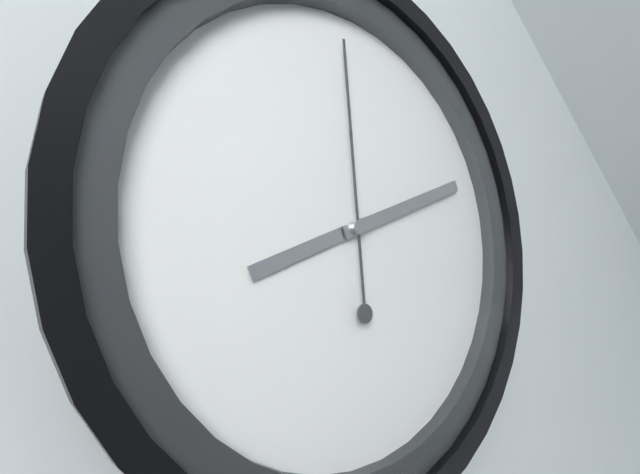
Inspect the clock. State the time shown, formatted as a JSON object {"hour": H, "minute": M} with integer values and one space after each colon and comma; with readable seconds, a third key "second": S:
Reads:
{"hour": 8, "minute": 11, "second": 59}
